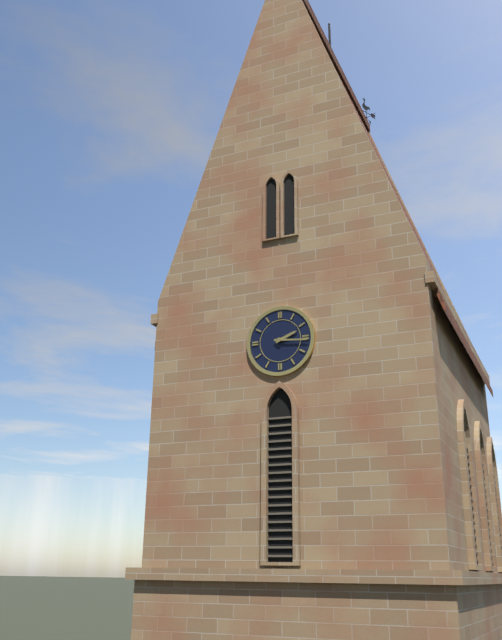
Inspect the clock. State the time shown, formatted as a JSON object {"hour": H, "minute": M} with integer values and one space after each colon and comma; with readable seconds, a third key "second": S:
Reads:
{"hour": 2, "minute": 16}
